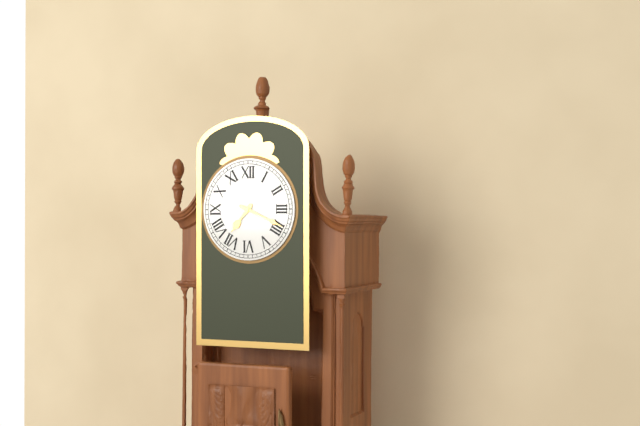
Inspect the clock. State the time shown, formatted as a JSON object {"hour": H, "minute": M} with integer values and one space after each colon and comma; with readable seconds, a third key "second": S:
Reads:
{"hour": 7, "minute": 19}
